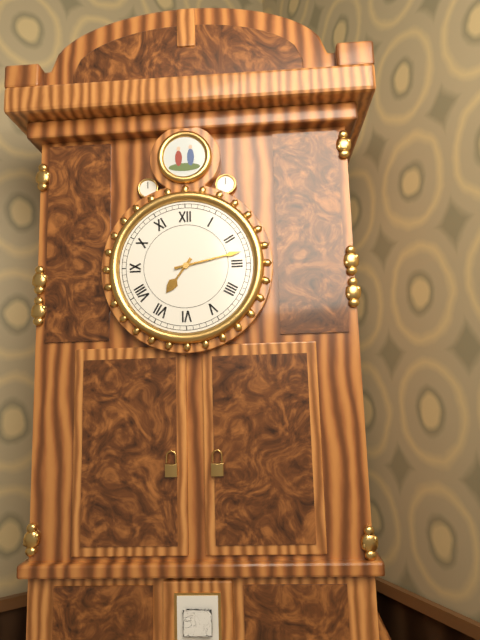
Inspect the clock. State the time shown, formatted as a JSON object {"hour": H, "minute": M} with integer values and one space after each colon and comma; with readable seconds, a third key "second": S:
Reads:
{"hour": 7, "minute": 13}
